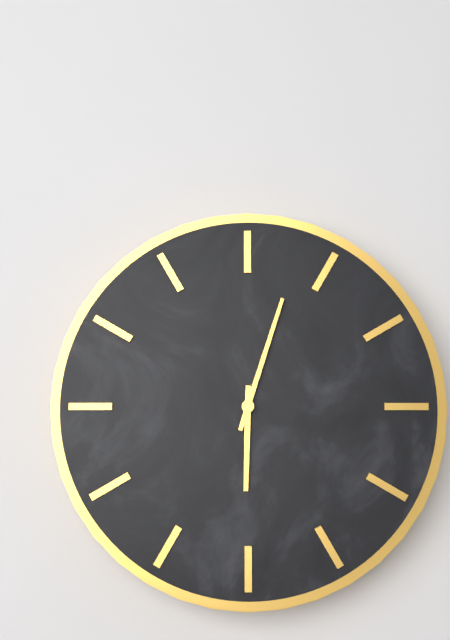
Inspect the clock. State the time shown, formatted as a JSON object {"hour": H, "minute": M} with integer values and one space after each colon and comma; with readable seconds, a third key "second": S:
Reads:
{"hour": 6, "minute": 3}
